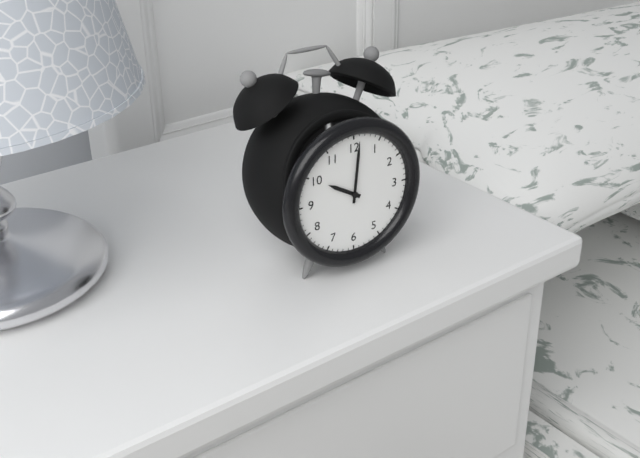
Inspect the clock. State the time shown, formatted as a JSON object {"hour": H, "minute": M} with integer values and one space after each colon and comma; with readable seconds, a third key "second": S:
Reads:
{"hour": 10, "minute": 1}
